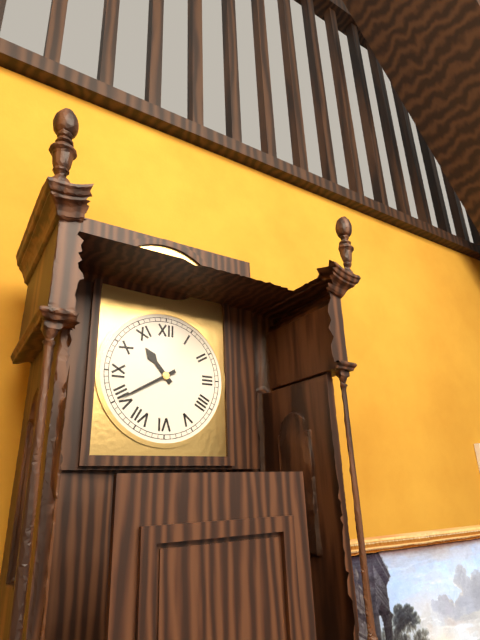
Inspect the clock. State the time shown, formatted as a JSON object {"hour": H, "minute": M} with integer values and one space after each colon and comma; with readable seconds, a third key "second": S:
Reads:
{"hour": 10, "minute": 40}
